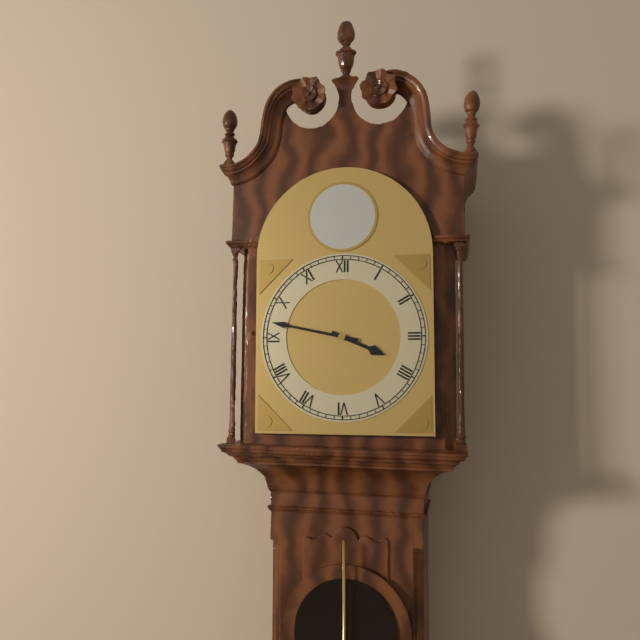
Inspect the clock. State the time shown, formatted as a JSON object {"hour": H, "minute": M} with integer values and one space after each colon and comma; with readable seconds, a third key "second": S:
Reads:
{"hour": 3, "minute": 47}
